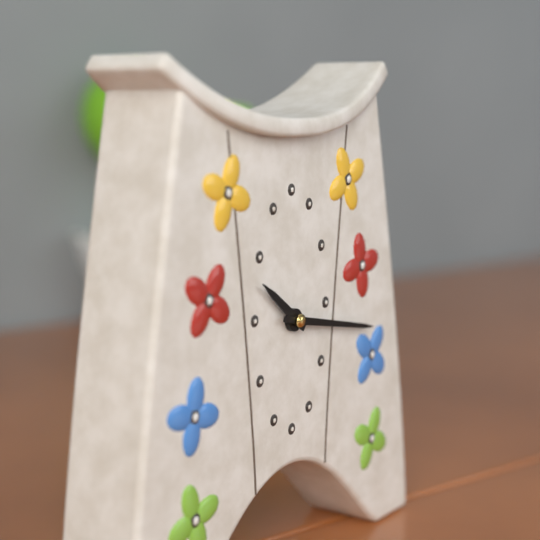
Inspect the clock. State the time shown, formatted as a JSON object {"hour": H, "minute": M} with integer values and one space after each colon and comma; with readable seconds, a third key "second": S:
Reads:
{"hour": 10, "minute": 17}
